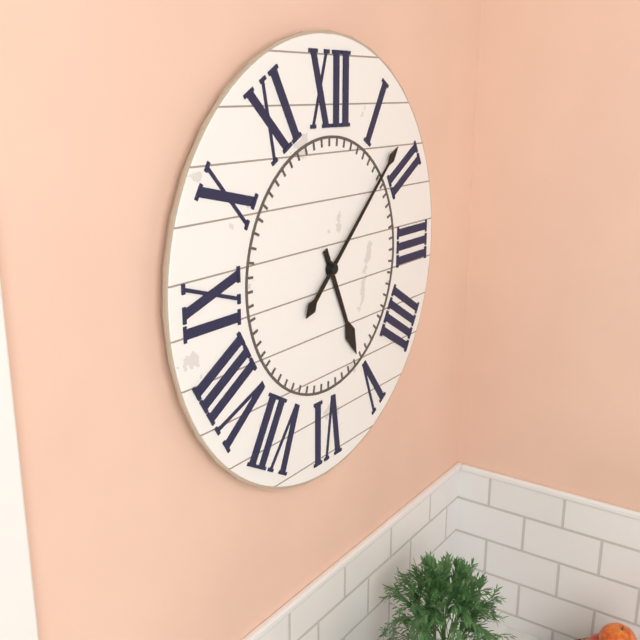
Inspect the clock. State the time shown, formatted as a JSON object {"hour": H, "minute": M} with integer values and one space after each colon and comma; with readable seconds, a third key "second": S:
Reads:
{"hour": 5, "minute": 8}
